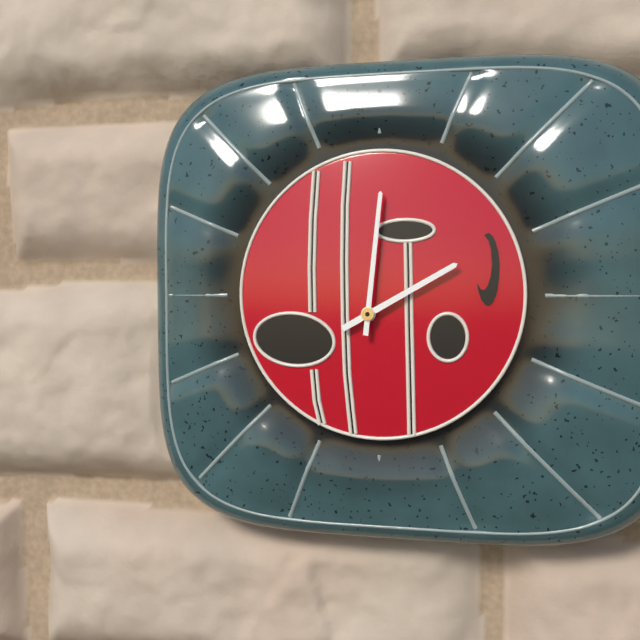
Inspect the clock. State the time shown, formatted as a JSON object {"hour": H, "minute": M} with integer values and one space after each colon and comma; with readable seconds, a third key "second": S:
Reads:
{"hour": 2, "minute": 1}
